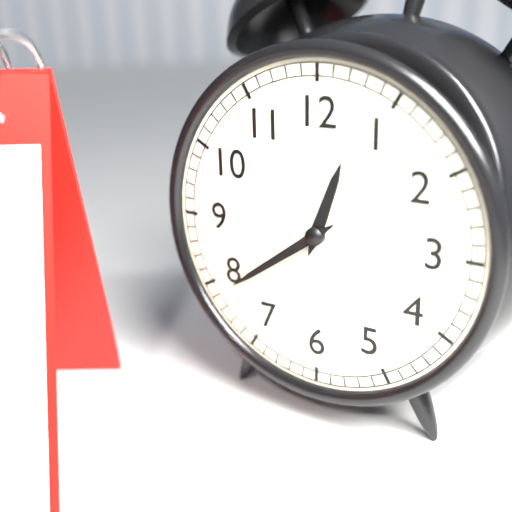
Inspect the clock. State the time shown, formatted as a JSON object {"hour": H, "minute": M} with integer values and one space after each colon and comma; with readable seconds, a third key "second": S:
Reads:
{"hour": 12, "minute": 39}
